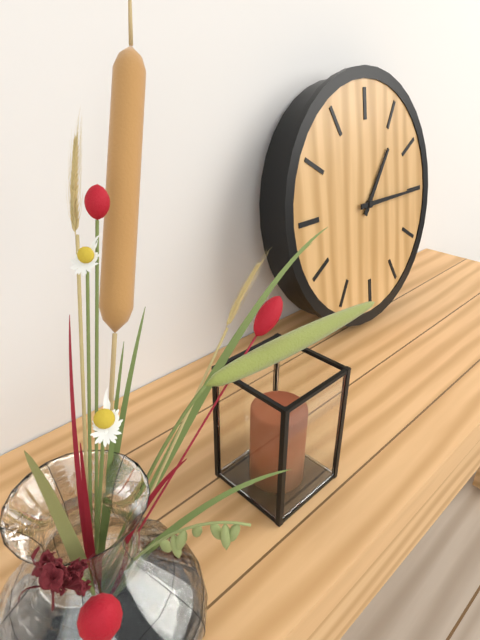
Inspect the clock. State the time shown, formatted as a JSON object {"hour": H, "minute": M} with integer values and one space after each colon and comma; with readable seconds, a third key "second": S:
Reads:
{"hour": 1, "minute": 15}
